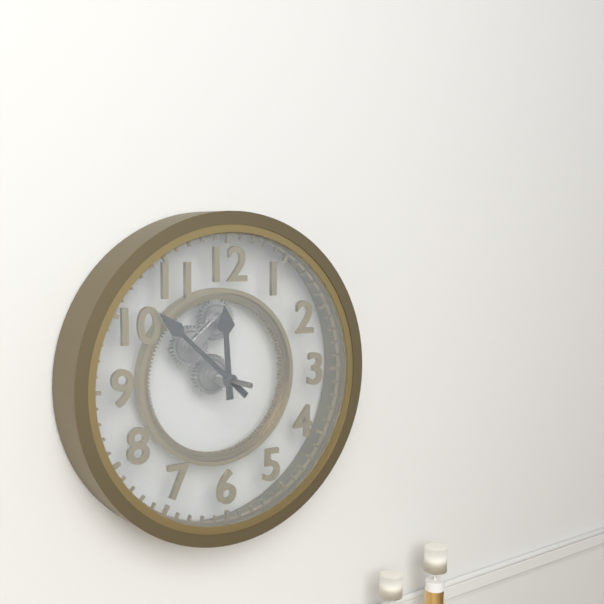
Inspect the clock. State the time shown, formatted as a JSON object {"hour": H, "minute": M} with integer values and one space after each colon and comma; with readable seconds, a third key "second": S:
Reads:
{"hour": 11, "minute": 52}
